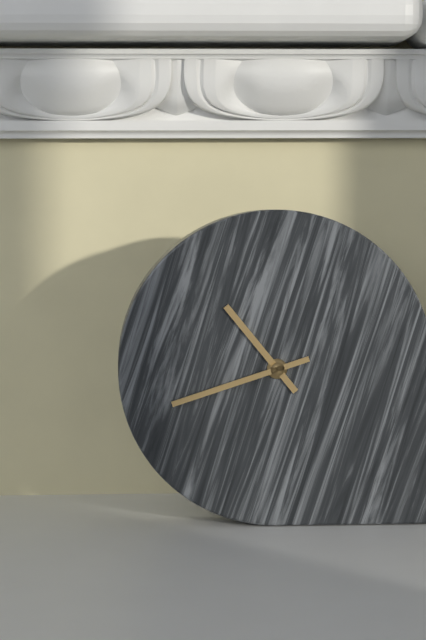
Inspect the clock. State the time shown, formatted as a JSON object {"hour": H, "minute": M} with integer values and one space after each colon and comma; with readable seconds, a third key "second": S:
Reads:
{"hour": 10, "minute": 42}
